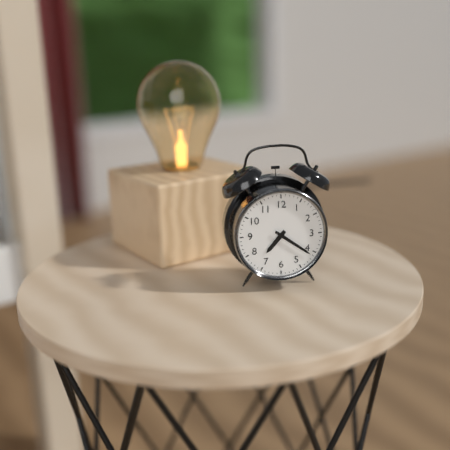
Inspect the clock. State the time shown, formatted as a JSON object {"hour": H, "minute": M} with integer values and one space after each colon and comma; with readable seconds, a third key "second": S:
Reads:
{"hour": 7, "minute": 21}
